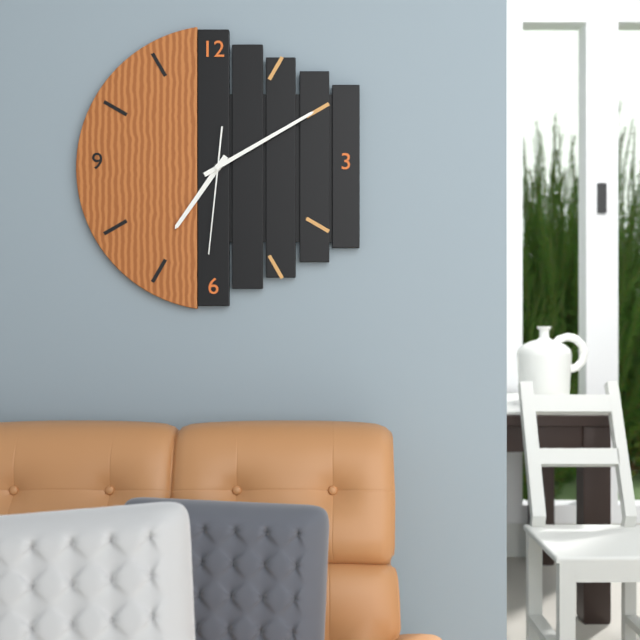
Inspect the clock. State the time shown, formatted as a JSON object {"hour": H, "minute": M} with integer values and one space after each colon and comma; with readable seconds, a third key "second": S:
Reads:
{"hour": 7, "minute": 10, "second": 31}
